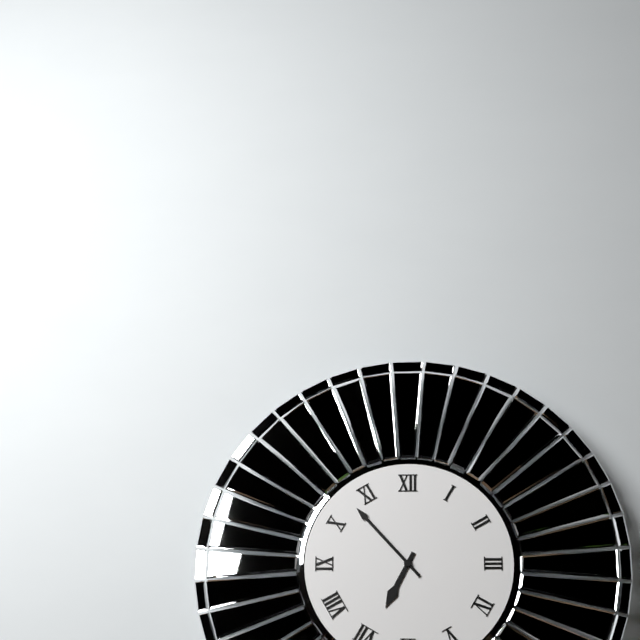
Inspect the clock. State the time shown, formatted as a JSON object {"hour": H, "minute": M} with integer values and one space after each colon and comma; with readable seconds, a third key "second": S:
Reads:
{"hour": 6, "minute": 53}
